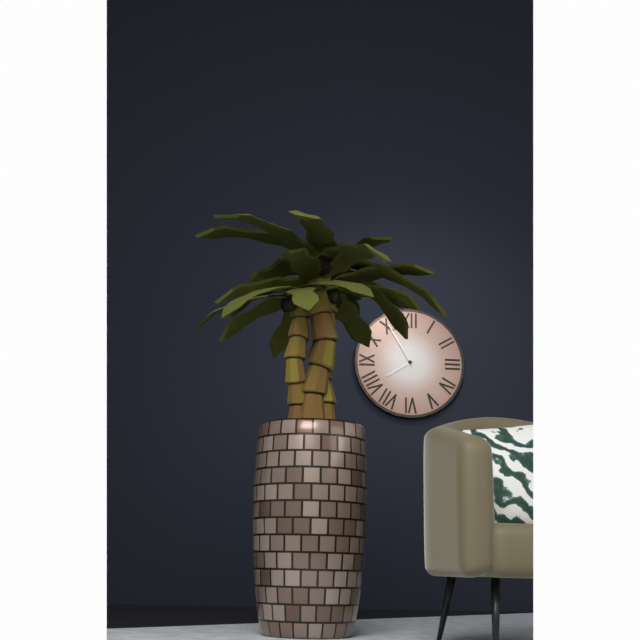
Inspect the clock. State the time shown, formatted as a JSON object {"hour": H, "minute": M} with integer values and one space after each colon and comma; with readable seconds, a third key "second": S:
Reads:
{"hour": 7, "minute": 55}
